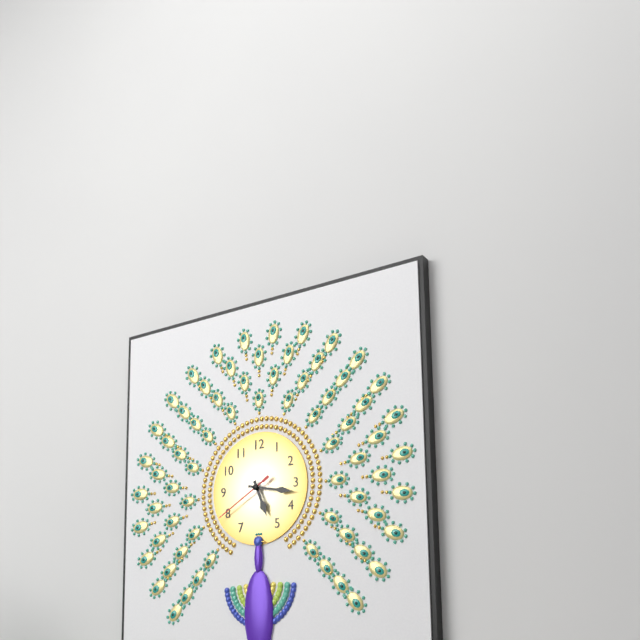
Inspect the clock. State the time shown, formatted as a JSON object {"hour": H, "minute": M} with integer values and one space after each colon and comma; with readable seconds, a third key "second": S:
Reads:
{"hour": 5, "minute": 17, "second": 40}
